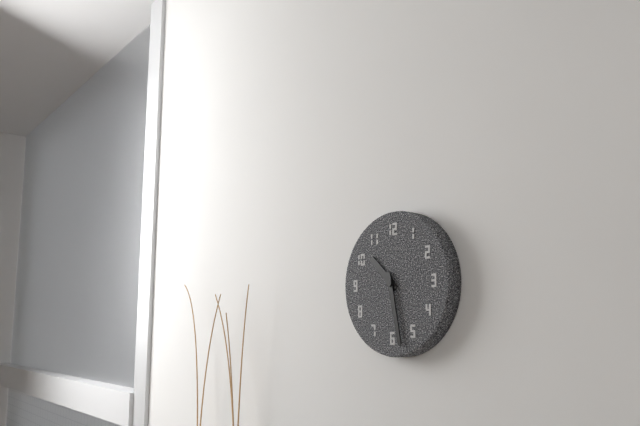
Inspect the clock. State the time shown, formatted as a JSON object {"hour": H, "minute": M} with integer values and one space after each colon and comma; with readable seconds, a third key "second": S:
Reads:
{"hour": 10, "minute": 28}
